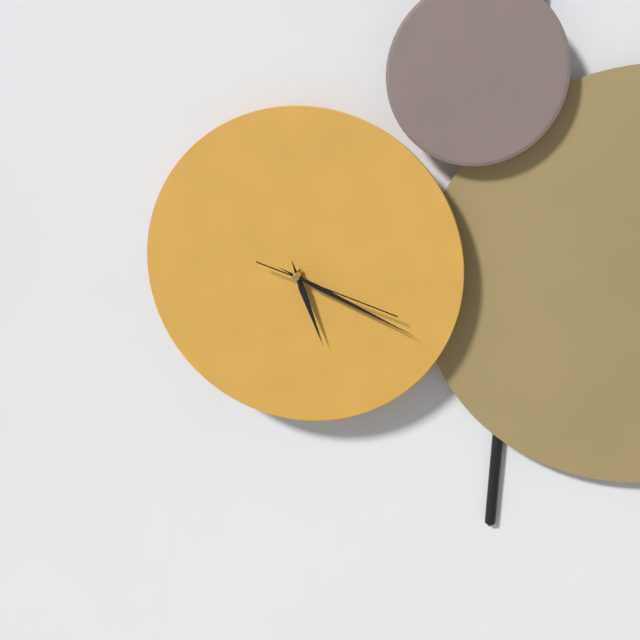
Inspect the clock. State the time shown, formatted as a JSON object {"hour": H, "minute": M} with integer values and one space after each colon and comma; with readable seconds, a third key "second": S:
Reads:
{"hour": 5, "minute": 19, "second": 18}
